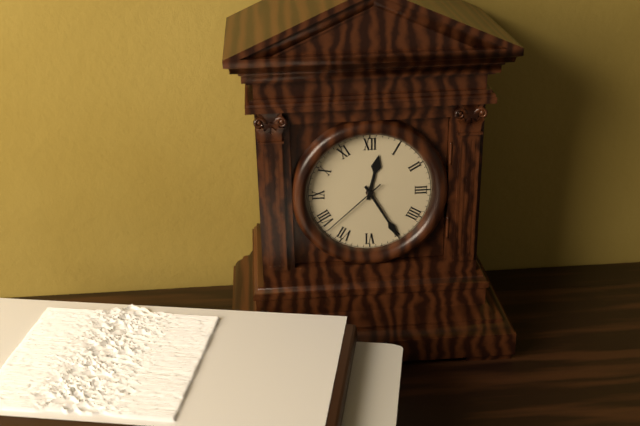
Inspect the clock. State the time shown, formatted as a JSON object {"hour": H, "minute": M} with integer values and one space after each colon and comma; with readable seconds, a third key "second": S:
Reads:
{"hour": 12, "minute": 25, "second": 38}
